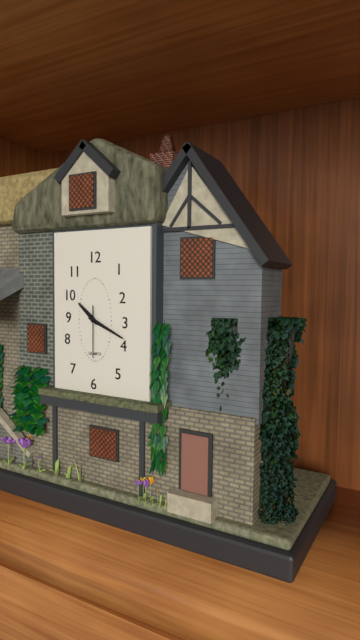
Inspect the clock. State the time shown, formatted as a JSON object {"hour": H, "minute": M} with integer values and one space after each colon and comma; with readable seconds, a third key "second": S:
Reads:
{"hour": 10, "minute": 19}
